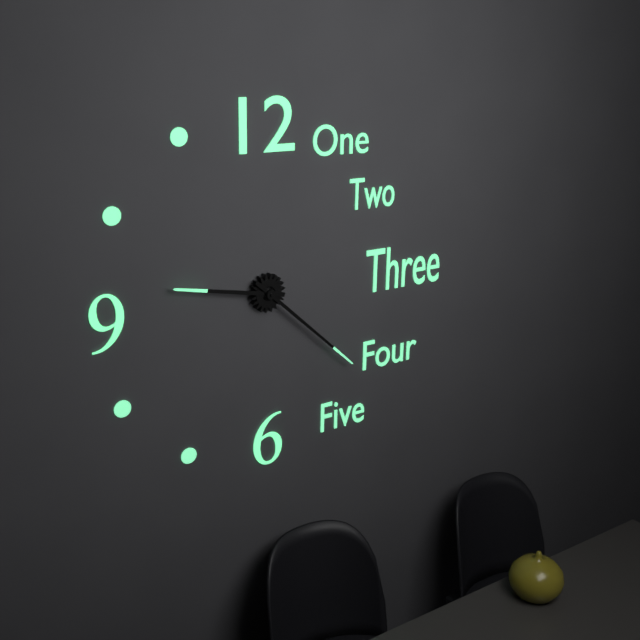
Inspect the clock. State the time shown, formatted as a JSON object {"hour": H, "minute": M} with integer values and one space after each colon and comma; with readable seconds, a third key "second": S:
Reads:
{"hour": 9, "minute": 22}
